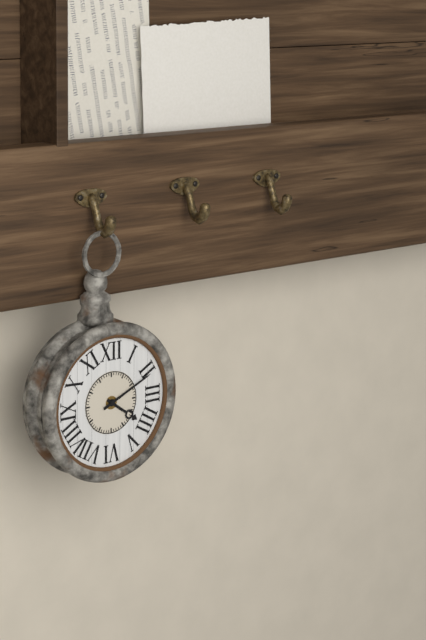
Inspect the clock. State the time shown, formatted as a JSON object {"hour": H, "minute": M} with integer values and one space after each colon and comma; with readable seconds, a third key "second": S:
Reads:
{"hour": 4, "minute": 11}
